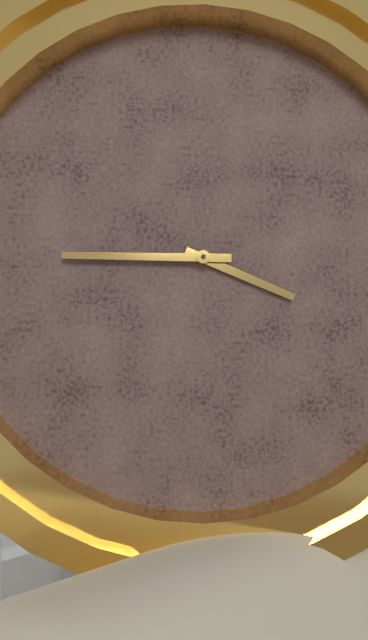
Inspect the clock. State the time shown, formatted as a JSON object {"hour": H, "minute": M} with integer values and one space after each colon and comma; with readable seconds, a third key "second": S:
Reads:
{"hour": 3, "minute": 45}
